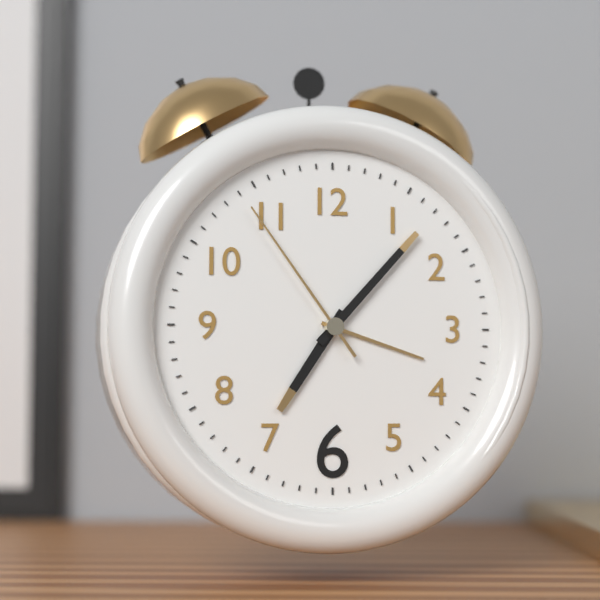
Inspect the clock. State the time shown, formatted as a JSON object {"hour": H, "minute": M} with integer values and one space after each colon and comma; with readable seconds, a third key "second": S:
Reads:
{"hour": 7, "minute": 7, "second": 54}
